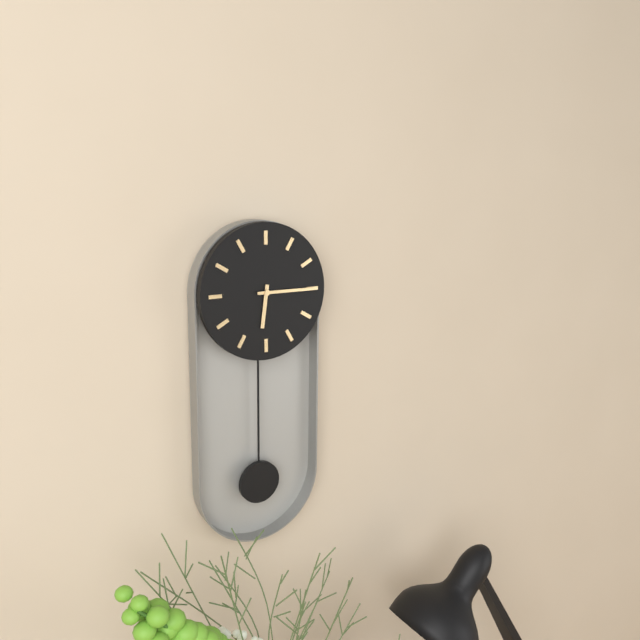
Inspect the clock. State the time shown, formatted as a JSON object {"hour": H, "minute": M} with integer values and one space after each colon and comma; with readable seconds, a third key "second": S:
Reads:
{"hour": 6, "minute": 15}
